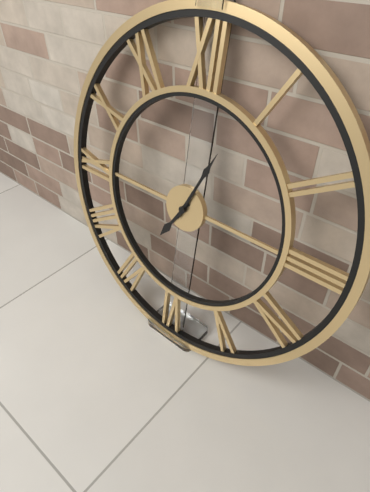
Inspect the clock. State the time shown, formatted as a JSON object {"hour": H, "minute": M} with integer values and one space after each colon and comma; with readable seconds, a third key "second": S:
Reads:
{"hour": 7, "minute": 4}
